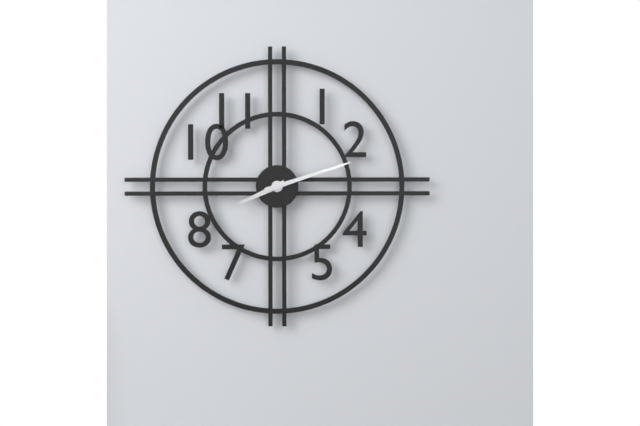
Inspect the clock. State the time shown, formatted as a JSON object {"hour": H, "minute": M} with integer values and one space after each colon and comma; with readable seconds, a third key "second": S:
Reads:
{"hour": 8, "minute": 12}
